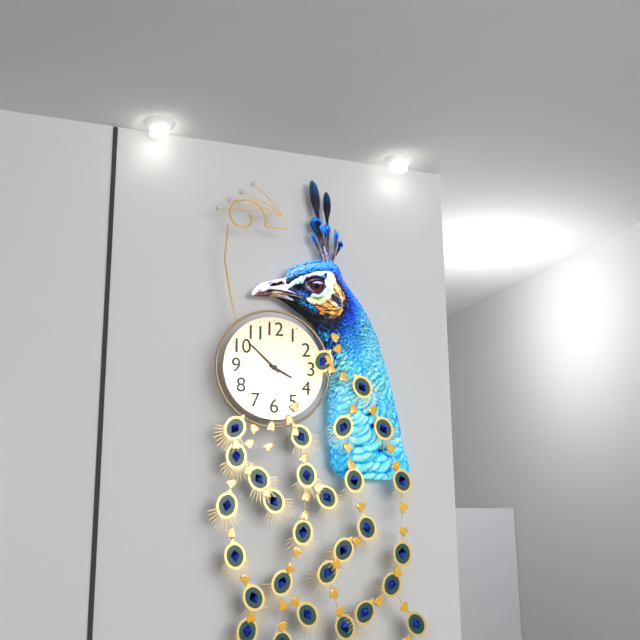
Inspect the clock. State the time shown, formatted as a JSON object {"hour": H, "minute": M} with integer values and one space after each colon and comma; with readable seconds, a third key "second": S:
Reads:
{"hour": 3, "minute": 52}
